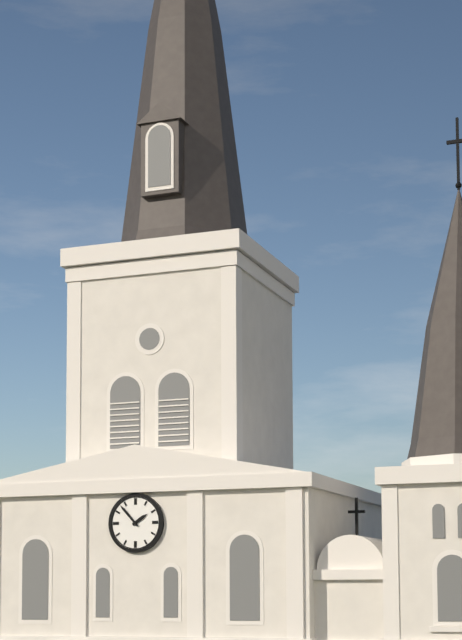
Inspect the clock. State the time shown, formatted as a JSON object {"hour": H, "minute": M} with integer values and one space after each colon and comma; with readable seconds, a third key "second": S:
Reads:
{"hour": 1, "minute": 53}
